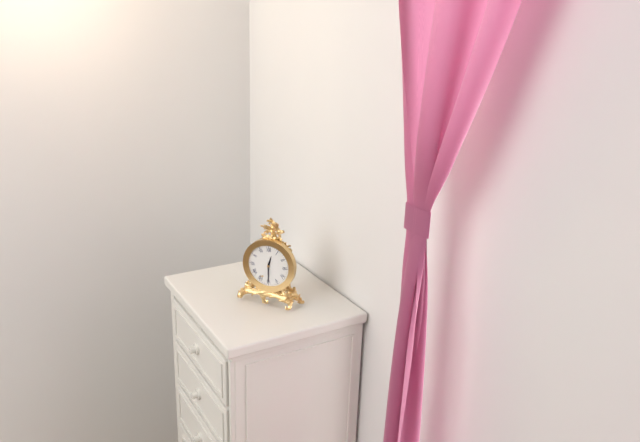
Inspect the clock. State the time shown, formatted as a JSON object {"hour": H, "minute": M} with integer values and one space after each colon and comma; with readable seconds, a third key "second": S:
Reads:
{"hour": 12, "minute": 30}
